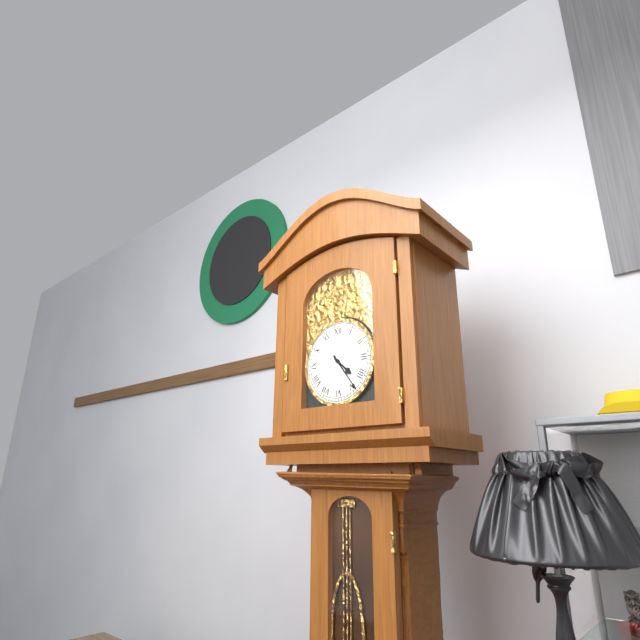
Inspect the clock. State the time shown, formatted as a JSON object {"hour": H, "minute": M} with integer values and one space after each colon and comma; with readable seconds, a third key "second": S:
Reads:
{"hour": 4, "minute": 24}
